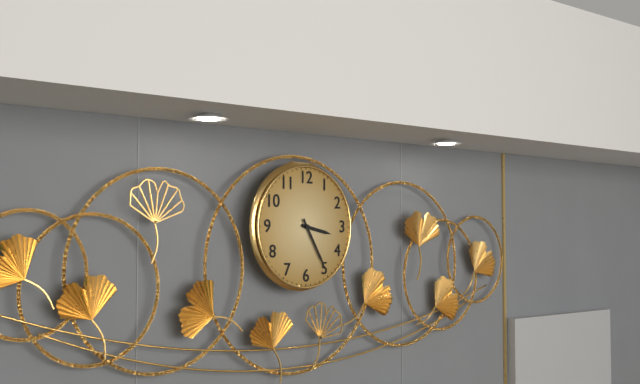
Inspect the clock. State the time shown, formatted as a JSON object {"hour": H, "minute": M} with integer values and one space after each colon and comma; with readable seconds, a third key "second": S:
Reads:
{"hour": 3, "minute": 25}
